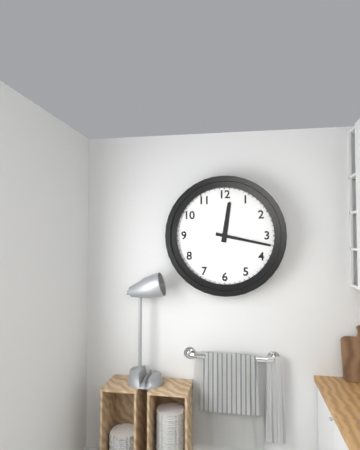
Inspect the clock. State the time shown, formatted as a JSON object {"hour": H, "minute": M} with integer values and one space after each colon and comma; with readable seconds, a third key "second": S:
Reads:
{"hour": 12, "minute": 17}
